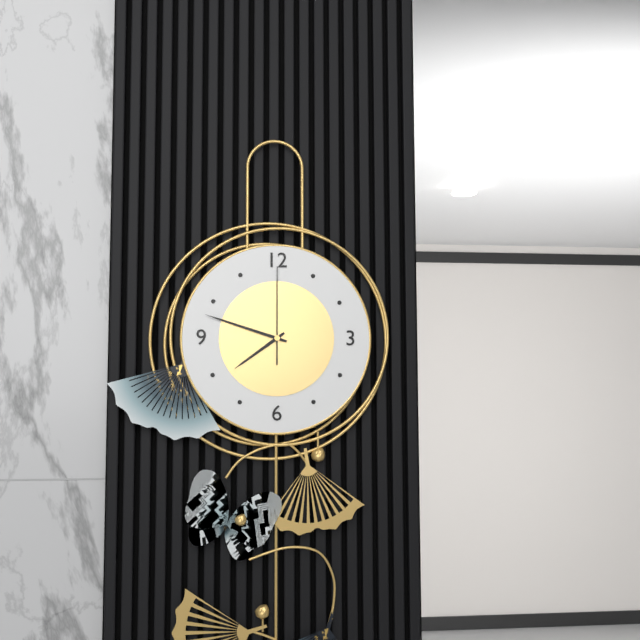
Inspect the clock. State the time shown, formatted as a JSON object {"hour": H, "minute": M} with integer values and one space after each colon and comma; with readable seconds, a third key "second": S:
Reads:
{"hour": 7, "minute": 48, "second": 0}
